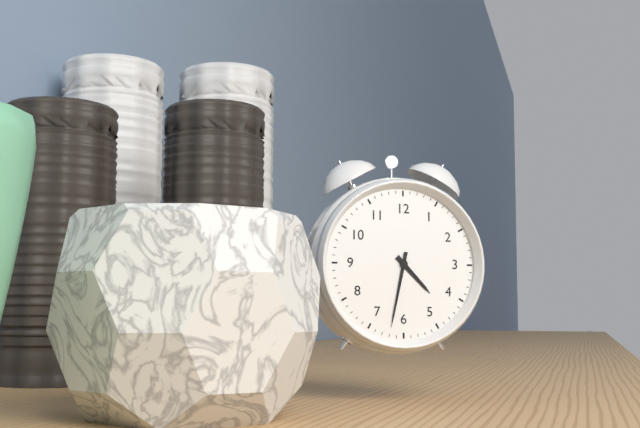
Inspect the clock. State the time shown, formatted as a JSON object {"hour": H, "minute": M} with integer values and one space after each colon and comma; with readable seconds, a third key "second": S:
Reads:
{"hour": 4, "minute": 32}
